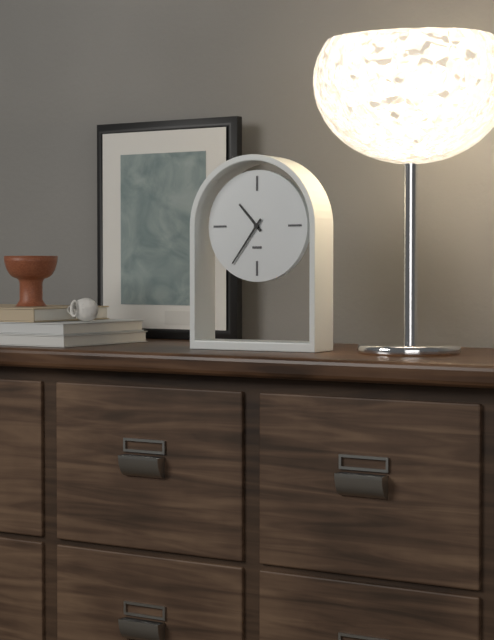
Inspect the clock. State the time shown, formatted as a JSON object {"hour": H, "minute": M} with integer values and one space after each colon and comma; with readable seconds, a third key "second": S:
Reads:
{"hour": 10, "minute": 36}
